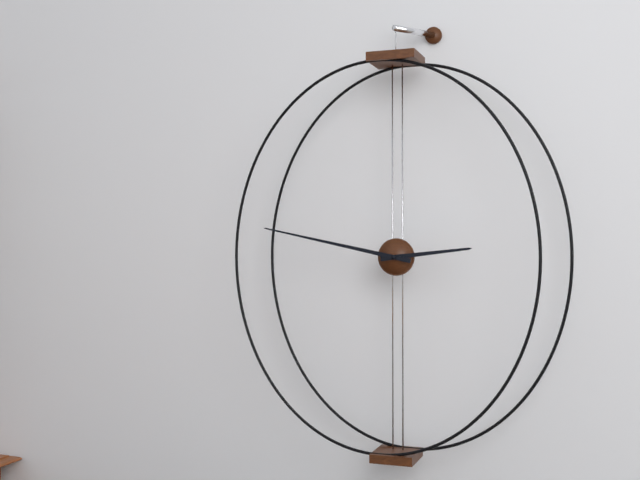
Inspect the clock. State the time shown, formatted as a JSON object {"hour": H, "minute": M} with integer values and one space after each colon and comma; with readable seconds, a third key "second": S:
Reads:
{"hour": 2, "minute": 47}
